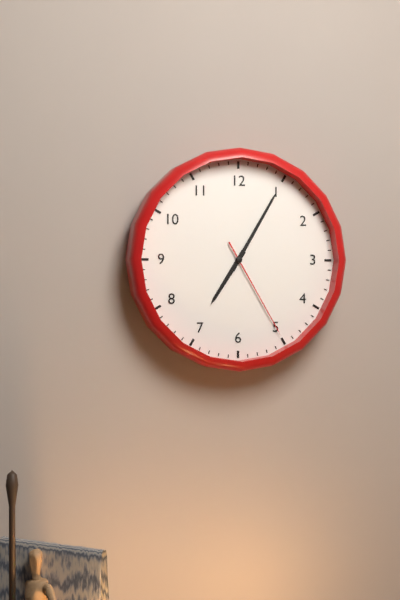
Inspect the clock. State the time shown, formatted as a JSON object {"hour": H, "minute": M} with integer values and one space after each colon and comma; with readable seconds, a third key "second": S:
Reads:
{"hour": 7, "minute": 5, "second": 25}
